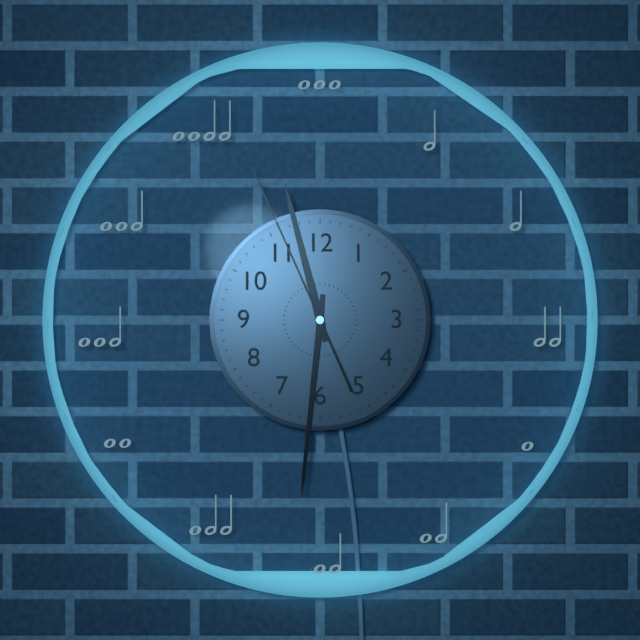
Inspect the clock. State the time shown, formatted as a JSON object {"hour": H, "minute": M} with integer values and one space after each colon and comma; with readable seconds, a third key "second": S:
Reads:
{"hour": 11, "minute": 31, "second": 56}
